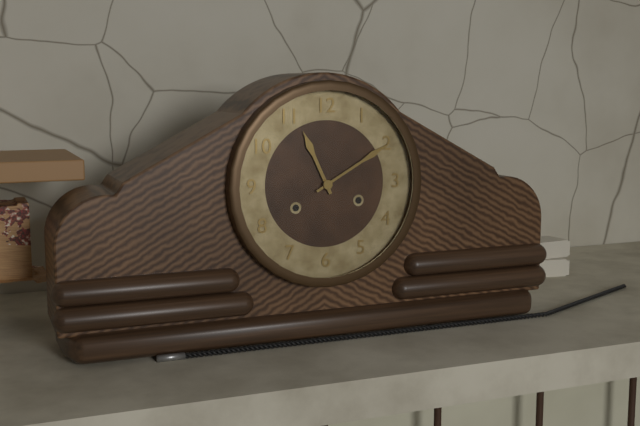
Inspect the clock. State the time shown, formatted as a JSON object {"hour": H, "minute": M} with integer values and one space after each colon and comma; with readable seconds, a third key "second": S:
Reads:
{"hour": 11, "minute": 10}
